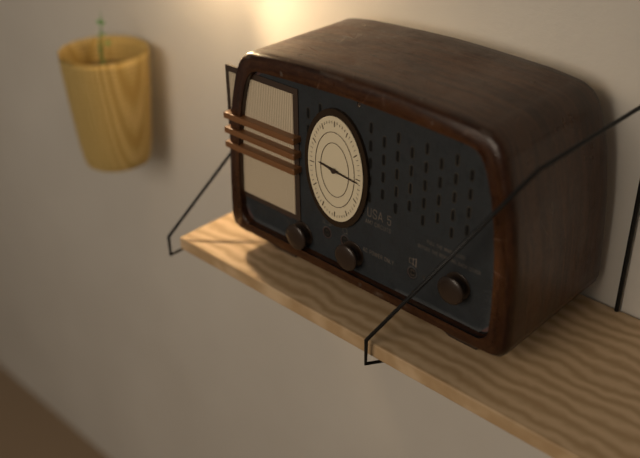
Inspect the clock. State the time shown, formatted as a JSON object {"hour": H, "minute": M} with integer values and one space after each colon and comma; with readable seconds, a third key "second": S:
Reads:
{"hour": 9, "minute": 16}
